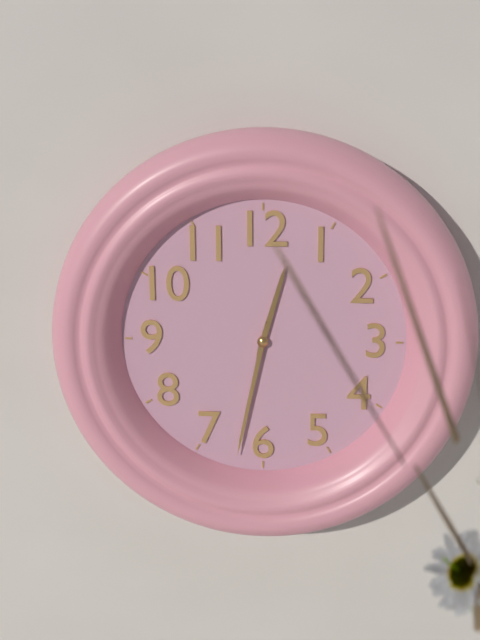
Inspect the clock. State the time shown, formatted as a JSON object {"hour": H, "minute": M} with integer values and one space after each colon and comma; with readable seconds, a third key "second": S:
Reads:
{"hour": 12, "minute": 32}
